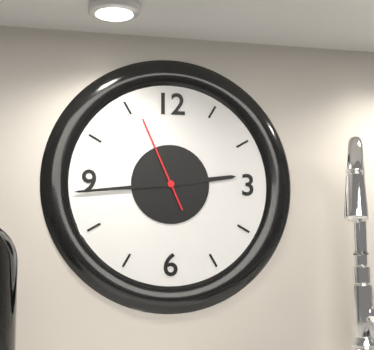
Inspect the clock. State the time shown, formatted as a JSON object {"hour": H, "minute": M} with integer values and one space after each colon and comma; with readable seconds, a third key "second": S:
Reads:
{"hour": 2, "minute": 44, "second": 56}
